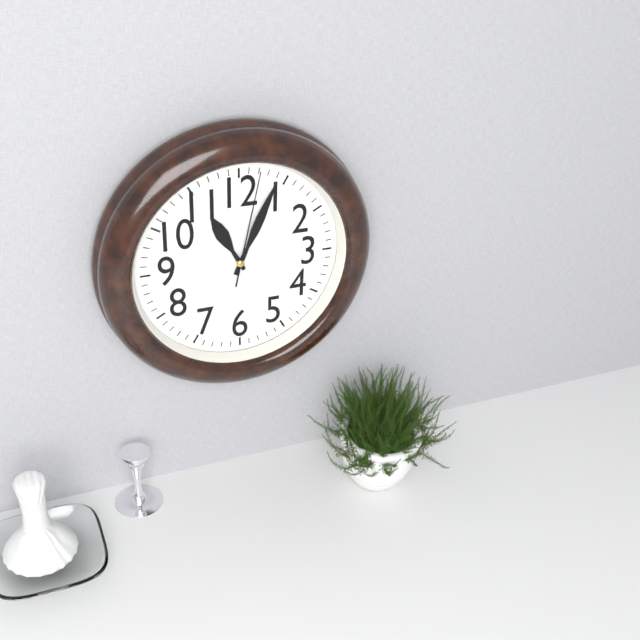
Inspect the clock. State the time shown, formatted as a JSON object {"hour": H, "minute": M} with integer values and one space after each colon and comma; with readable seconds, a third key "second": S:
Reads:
{"hour": 11, "minute": 4, "second": 2}
